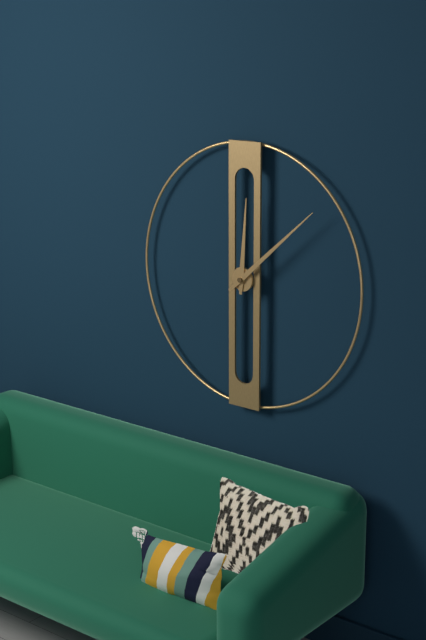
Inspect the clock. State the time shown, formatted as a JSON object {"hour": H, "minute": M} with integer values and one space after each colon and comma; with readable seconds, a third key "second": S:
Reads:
{"hour": 12, "minute": 8}
